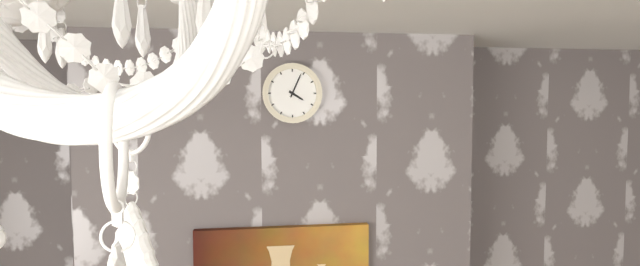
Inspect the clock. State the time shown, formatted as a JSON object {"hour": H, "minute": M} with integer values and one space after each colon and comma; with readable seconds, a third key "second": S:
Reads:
{"hour": 4, "minute": 4}
